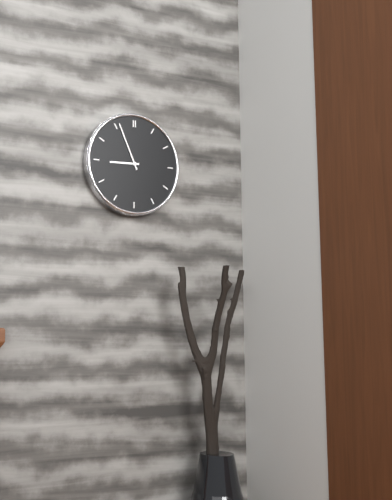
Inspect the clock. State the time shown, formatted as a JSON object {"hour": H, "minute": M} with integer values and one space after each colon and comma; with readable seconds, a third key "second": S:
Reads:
{"hour": 8, "minute": 56}
